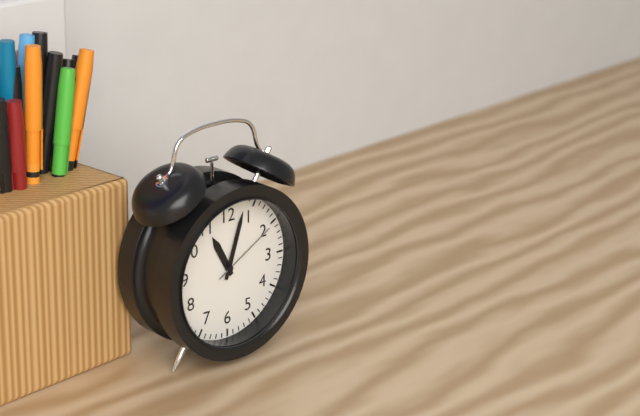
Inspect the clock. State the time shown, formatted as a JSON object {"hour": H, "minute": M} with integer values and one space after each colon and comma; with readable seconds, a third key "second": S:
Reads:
{"hour": 11, "minute": 3, "second": 10}
